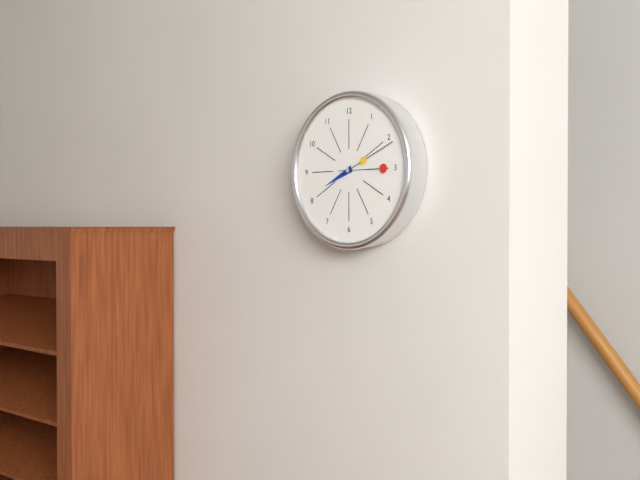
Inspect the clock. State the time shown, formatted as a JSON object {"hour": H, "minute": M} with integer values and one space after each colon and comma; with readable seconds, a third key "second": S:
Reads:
{"hour": 8, "minute": 11}
